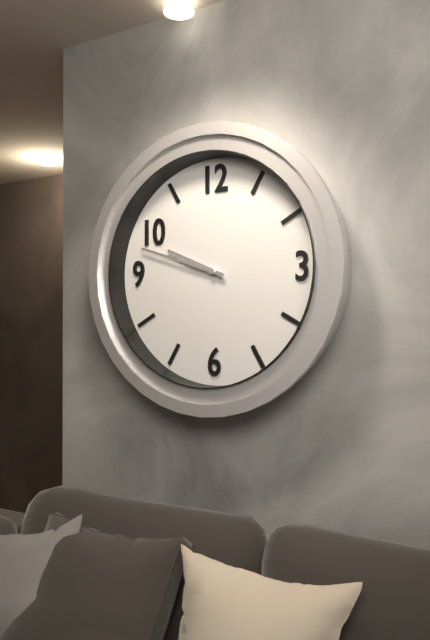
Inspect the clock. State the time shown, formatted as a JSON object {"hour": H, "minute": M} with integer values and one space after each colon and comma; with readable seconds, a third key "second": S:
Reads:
{"hour": 9, "minute": 48}
